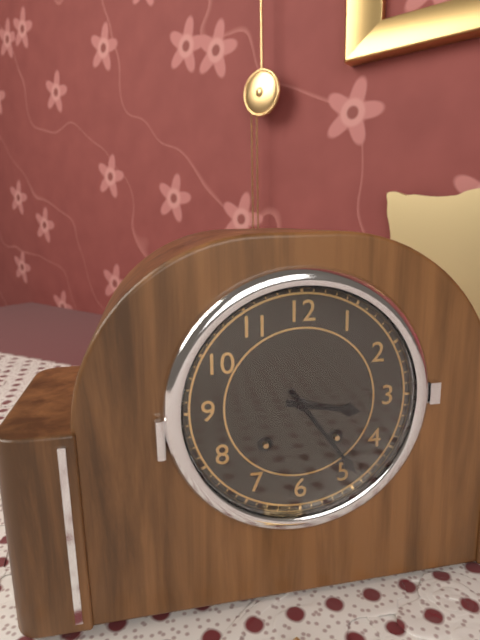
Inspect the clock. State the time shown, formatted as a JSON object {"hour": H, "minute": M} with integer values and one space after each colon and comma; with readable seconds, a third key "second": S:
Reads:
{"hour": 3, "minute": 24}
